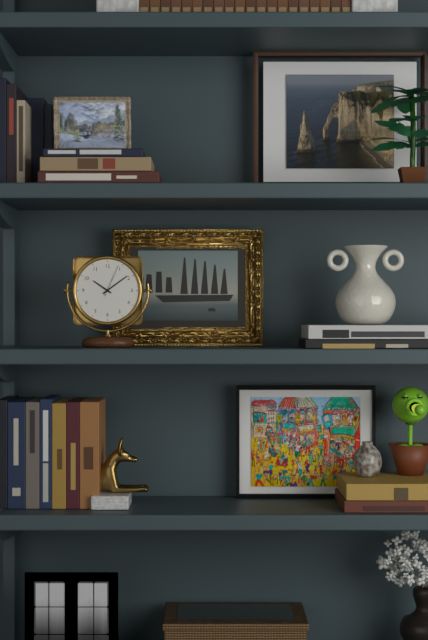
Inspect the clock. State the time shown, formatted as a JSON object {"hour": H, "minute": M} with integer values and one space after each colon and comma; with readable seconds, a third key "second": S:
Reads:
{"hour": 10, "minute": 9}
